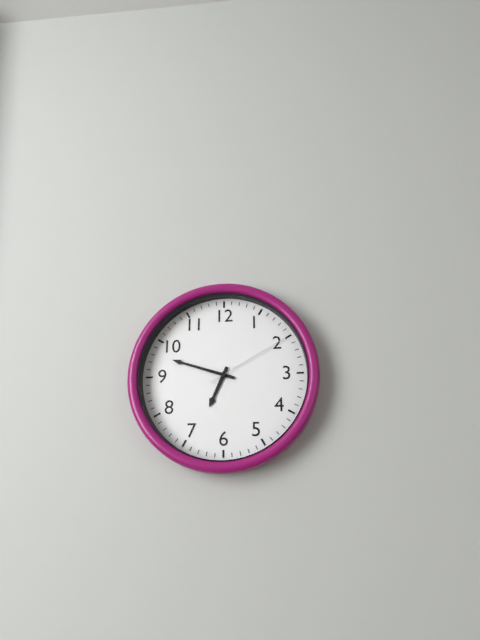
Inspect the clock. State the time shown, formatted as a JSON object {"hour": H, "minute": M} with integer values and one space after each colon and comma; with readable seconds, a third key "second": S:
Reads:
{"hour": 6, "minute": 48, "second": 10}
